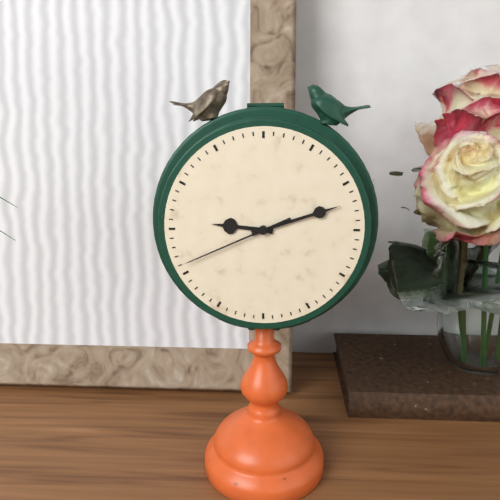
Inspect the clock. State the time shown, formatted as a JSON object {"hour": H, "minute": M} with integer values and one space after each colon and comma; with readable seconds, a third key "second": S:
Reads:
{"hour": 9, "minute": 12, "second": 41}
